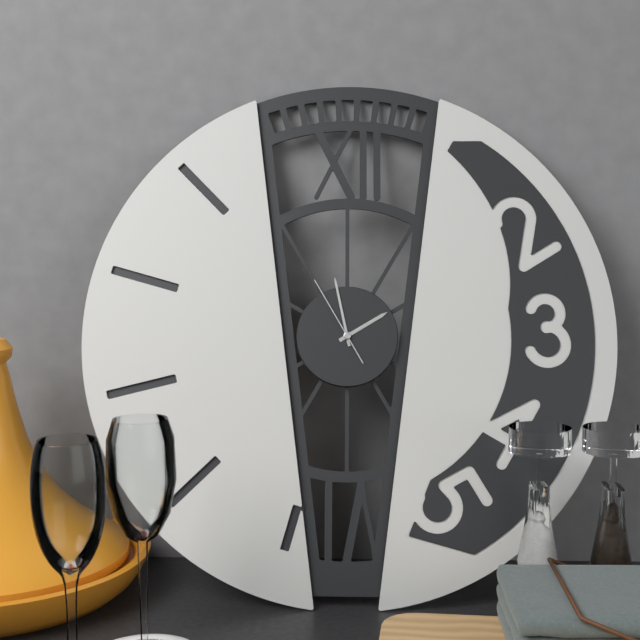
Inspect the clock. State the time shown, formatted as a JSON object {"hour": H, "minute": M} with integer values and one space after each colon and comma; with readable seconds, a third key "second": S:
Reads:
{"hour": 1, "minute": 58, "second": 55}
